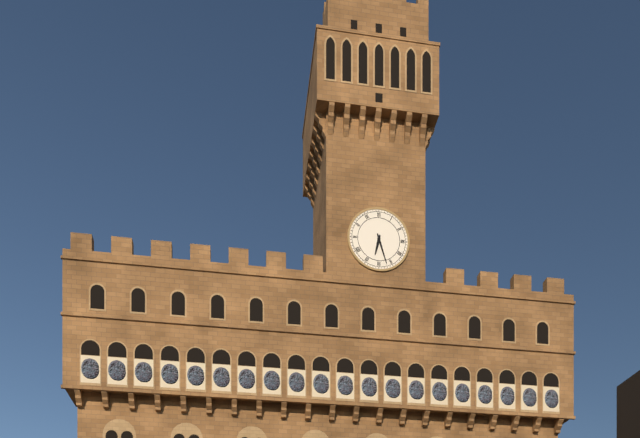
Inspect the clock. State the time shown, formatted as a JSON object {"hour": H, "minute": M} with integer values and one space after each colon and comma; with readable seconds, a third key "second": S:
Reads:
{"hour": 6, "minute": 27}
